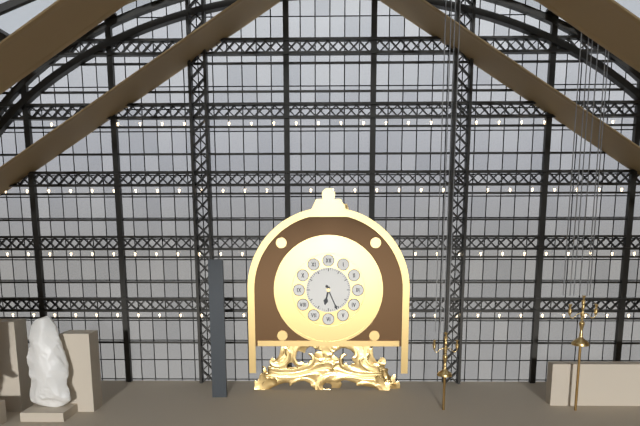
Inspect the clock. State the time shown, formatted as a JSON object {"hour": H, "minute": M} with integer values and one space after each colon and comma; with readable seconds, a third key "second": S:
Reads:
{"hour": 6, "minute": 26}
